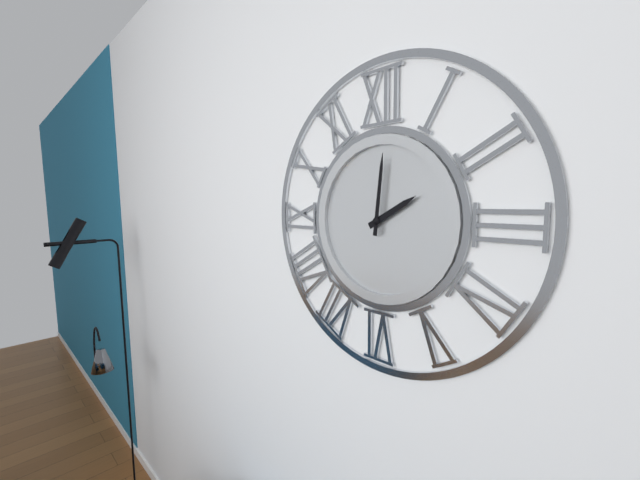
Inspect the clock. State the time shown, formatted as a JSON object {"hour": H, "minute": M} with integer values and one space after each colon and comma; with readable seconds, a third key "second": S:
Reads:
{"hour": 2, "minute": 1}
